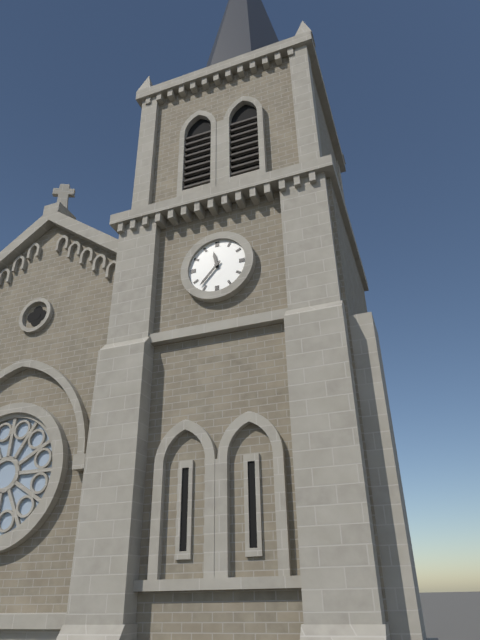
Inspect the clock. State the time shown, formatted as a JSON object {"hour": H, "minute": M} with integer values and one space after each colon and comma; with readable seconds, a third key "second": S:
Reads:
{"hour": 11, "minute": 37}
